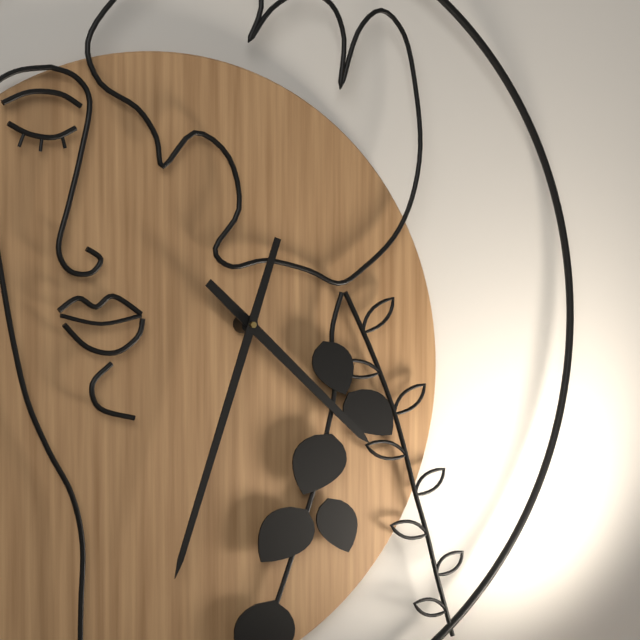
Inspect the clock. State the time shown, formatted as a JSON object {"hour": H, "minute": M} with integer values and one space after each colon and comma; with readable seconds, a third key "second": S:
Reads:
{"hour": 4, "minute": 34}
